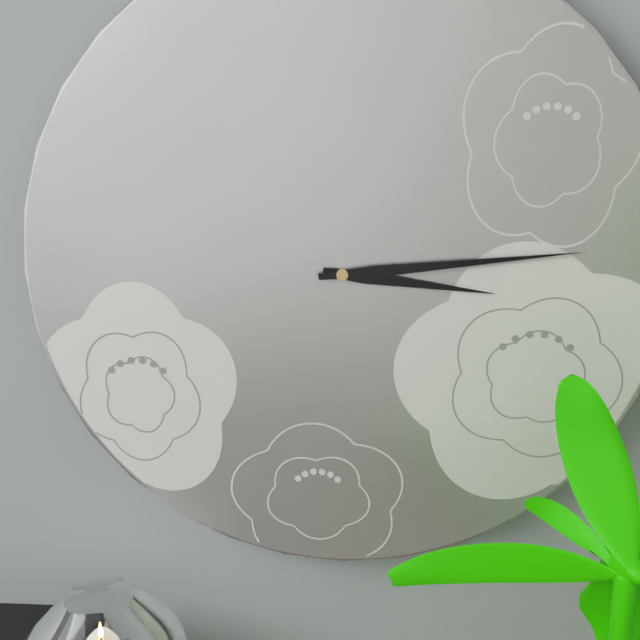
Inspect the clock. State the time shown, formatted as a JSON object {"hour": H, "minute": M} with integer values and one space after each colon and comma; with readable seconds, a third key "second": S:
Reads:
{"hour": 3, "minute": 14}
